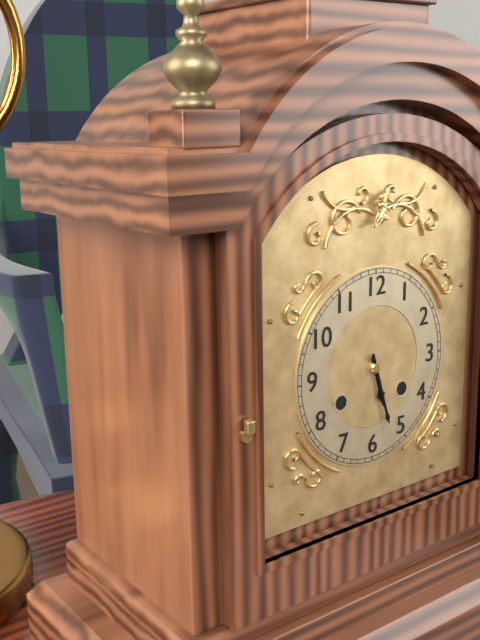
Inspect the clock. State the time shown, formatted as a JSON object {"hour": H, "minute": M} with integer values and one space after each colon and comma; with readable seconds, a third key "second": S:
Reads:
{"hour": 5, "minute": 27}
